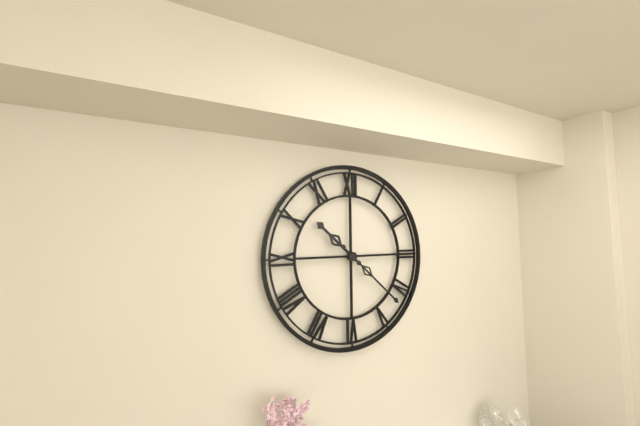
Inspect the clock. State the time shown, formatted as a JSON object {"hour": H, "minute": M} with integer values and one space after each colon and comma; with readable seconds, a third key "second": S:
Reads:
{"hour": 10, "minute": 22}
